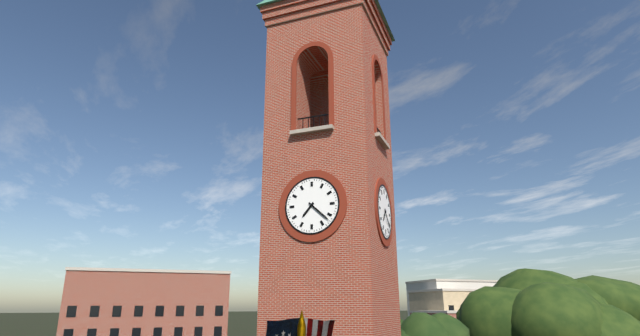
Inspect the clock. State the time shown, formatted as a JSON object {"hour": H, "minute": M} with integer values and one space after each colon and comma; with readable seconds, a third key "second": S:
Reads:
{"hour": 7, "minute": 22}
